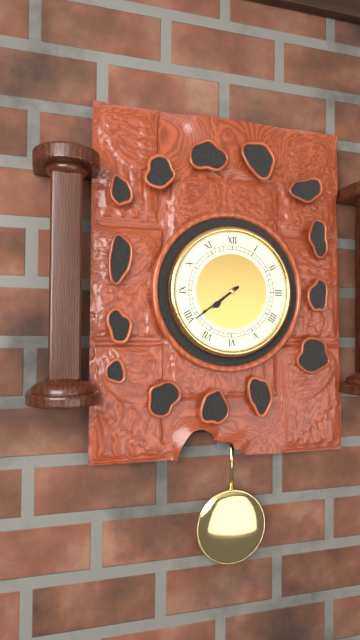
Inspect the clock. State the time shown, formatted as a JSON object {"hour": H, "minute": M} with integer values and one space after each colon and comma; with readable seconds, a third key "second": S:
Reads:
{"hour": 7, "minute": 39}
